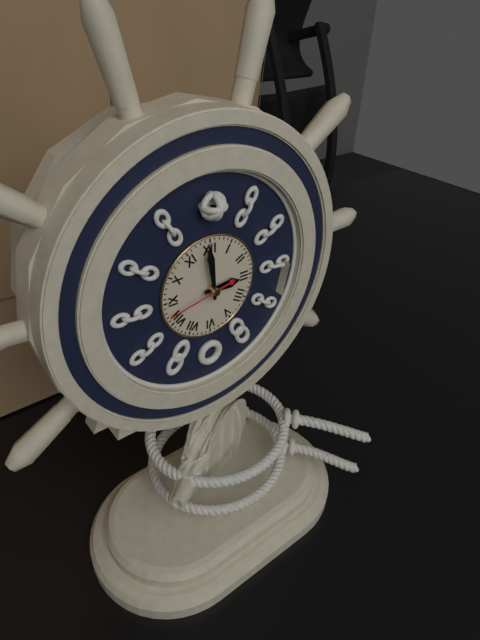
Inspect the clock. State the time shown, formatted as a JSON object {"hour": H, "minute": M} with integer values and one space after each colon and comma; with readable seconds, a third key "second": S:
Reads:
{"hour": 2, "minute": 59, "second": 43}
